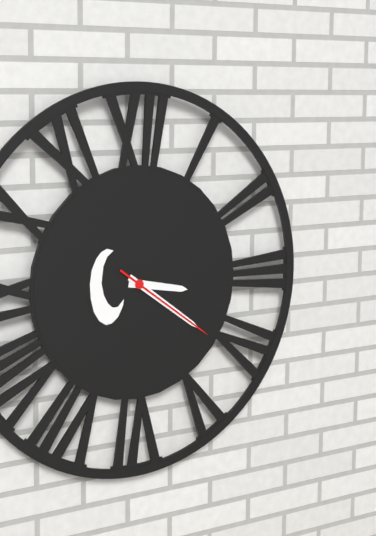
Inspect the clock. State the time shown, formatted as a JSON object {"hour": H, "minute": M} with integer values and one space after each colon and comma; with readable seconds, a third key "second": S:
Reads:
{"hour": 3, "minute": 21, "second": 21}
